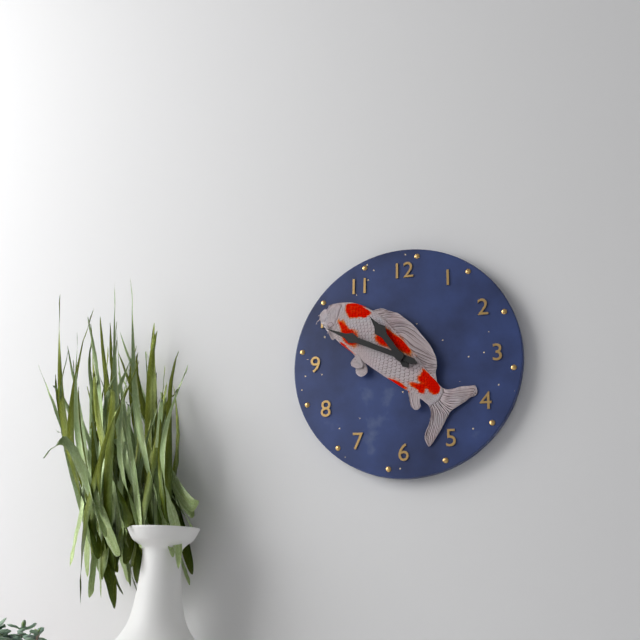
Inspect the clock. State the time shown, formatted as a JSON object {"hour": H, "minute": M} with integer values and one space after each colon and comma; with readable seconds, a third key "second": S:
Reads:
{"hour": 10, "minute": 49}
